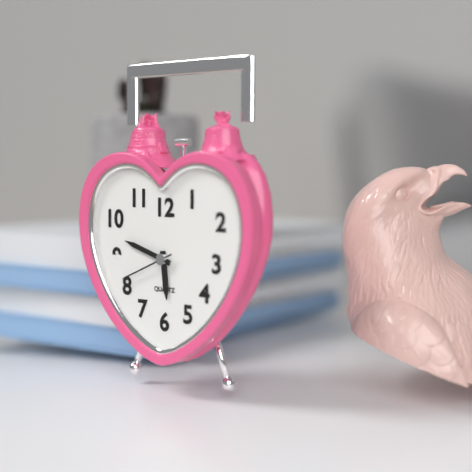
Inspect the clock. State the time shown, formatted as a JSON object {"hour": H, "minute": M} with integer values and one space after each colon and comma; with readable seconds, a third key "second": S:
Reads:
{"hour": 5, "minute": 48, "second": 41}
